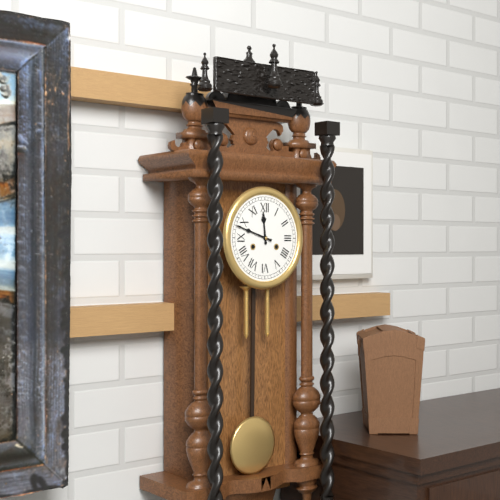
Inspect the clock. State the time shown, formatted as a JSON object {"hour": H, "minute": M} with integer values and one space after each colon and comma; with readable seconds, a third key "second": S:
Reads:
{"hour": 11, "minute": 48}
